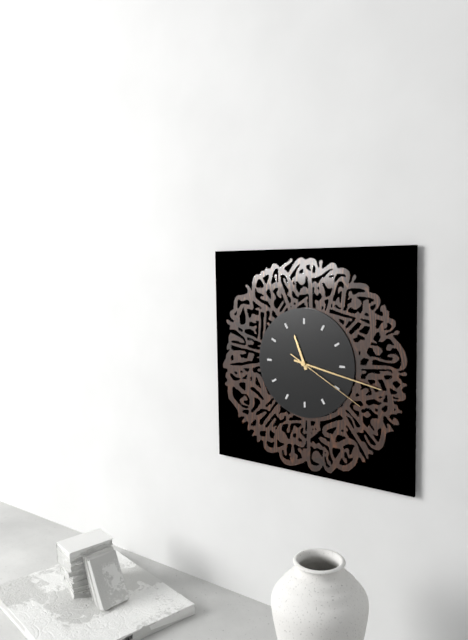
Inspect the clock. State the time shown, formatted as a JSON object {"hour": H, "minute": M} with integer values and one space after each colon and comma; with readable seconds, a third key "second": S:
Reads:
{"hour": 11, "minute": 17, "second": 20}
